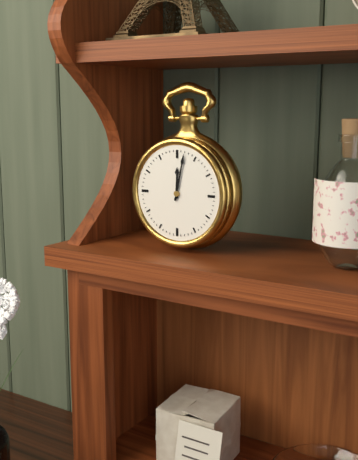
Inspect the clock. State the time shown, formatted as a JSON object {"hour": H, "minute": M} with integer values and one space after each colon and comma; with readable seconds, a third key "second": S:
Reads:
{"hour": 12, "minute": 2}
